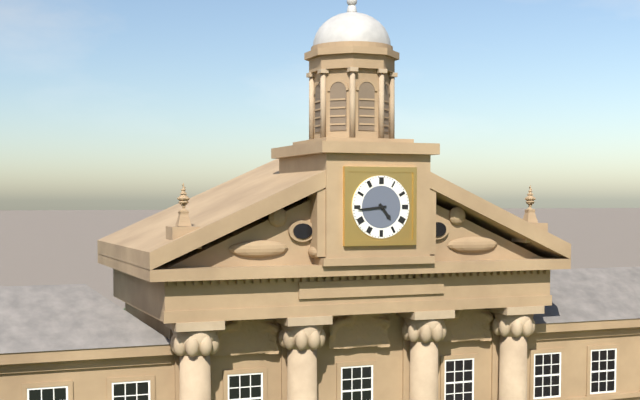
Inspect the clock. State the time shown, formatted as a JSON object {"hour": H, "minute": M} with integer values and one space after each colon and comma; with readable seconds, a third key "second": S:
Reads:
{"hour": 4, "minute": 44}
